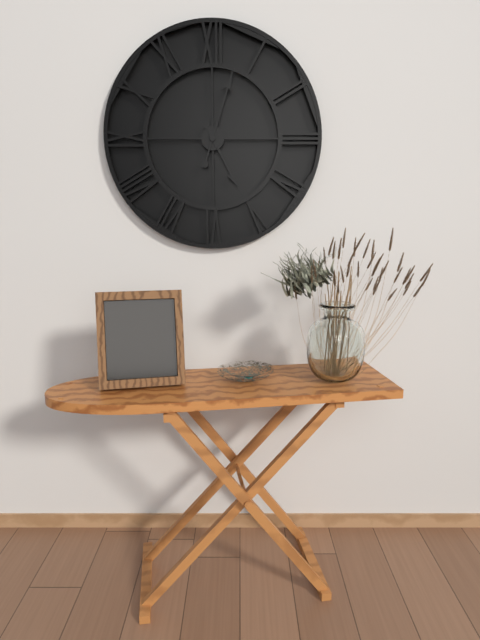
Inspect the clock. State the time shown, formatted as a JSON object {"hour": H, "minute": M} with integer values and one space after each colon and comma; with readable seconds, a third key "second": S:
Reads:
{"hour": 5, "minute": 3}
